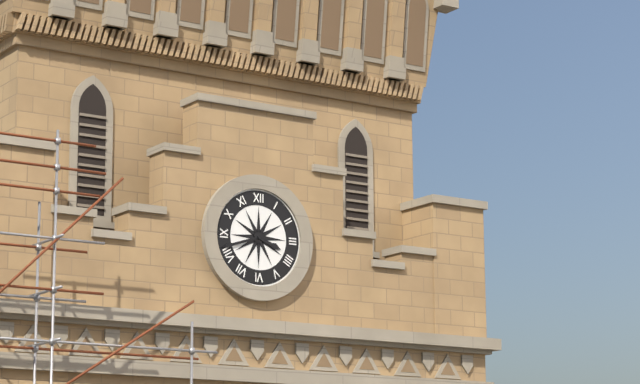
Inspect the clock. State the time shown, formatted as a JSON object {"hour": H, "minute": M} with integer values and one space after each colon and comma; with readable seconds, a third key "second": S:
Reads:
{"hour": 3, "minute": 42}
